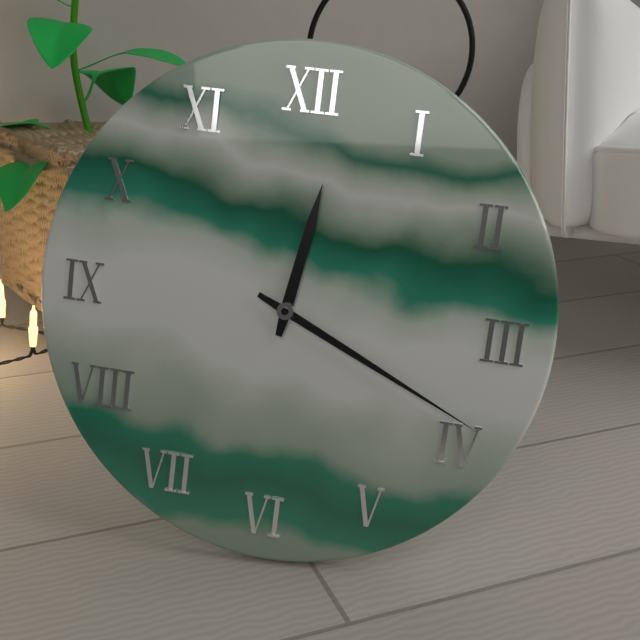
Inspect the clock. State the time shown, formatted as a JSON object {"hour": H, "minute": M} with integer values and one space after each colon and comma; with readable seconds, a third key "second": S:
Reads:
{"hour": 12, "minute": 19}
